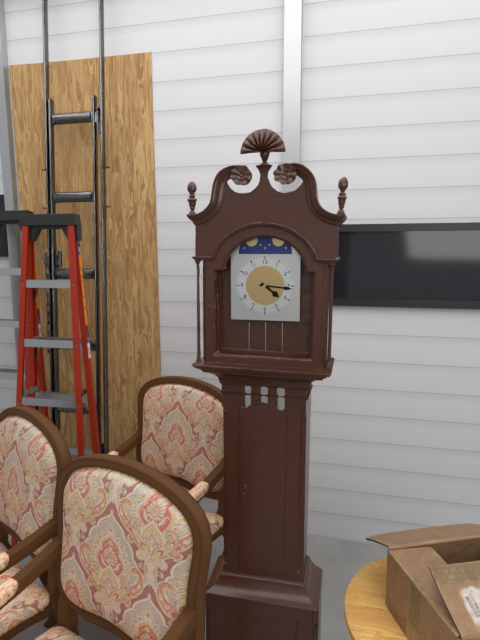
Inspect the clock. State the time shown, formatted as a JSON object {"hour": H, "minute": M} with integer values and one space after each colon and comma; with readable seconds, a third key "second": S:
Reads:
{"hour": 4, "minute": 16}
